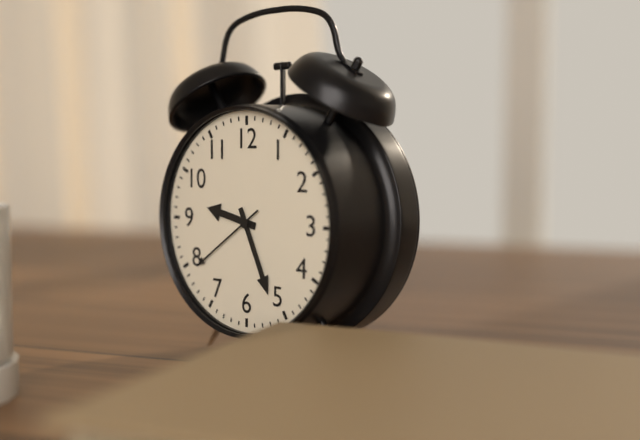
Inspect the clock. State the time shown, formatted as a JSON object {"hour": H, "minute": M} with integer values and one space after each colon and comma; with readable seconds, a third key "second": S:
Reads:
{"hour": 9, "minute": 26, "second": 39}
